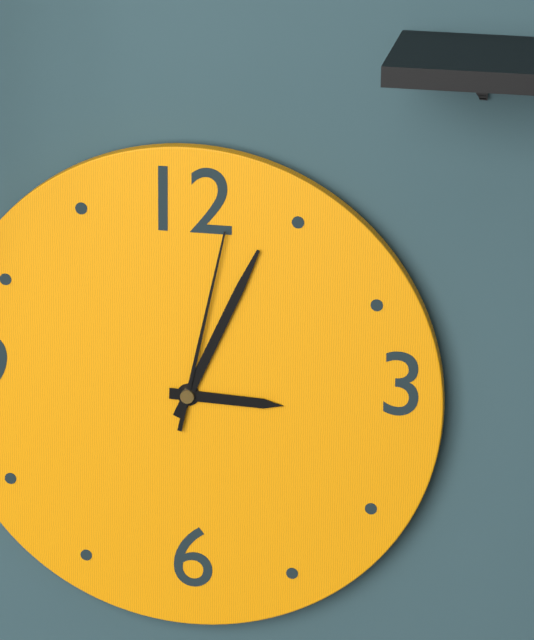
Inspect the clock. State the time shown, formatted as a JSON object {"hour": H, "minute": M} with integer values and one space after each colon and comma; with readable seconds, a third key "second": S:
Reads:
{"hour": 3, "minute": 4, "second": 2}
